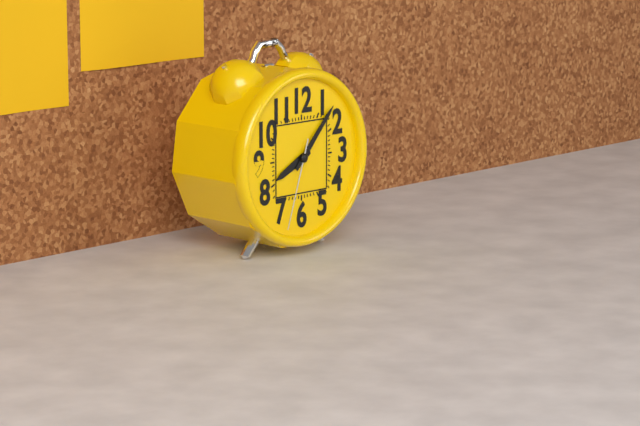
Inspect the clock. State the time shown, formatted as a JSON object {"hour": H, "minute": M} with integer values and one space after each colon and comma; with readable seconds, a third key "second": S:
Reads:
{"hour": 8, "minute": 7, "second": 33}
